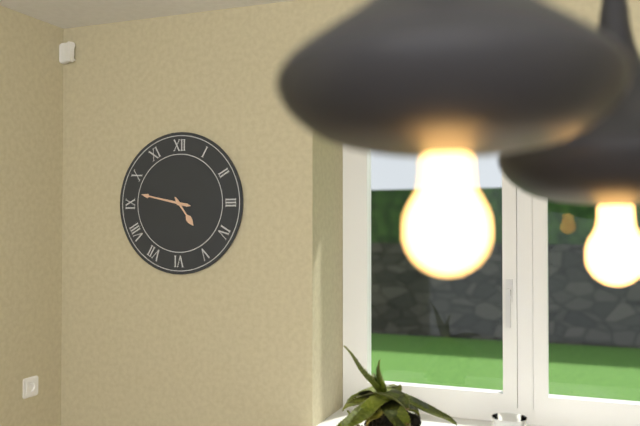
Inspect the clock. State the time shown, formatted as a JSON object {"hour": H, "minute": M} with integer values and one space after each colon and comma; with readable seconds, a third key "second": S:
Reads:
{"hour": 4, "minute": 47}
